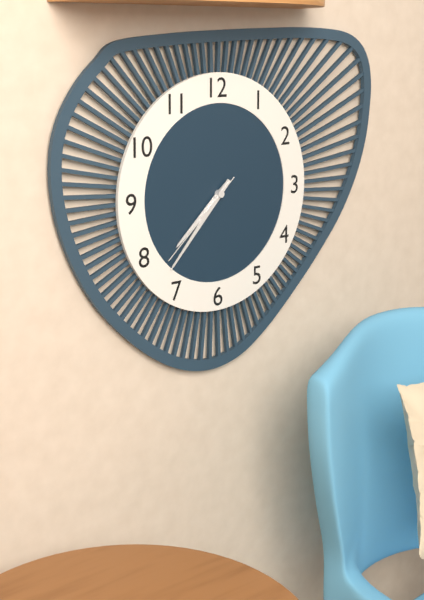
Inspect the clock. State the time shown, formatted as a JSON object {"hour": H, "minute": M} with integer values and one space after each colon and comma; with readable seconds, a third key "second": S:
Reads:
{"hour": 7, "minute": 37, "second": 38}
